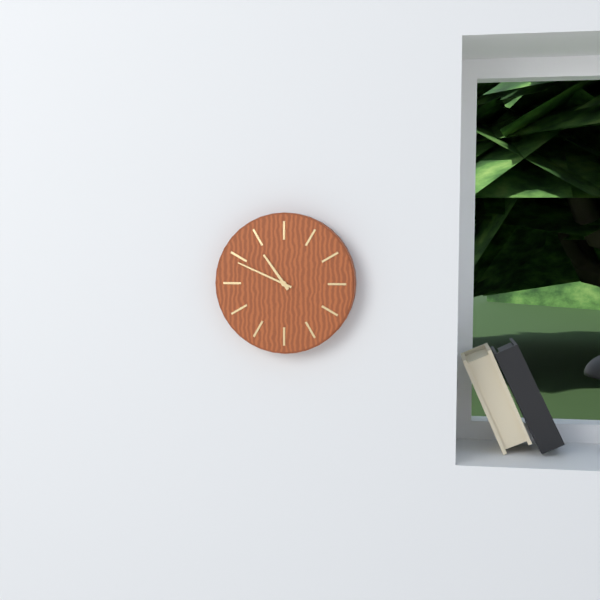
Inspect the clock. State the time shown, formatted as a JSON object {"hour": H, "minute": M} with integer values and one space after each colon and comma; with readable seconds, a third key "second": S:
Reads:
{"hour": 10, "minute": 49}
